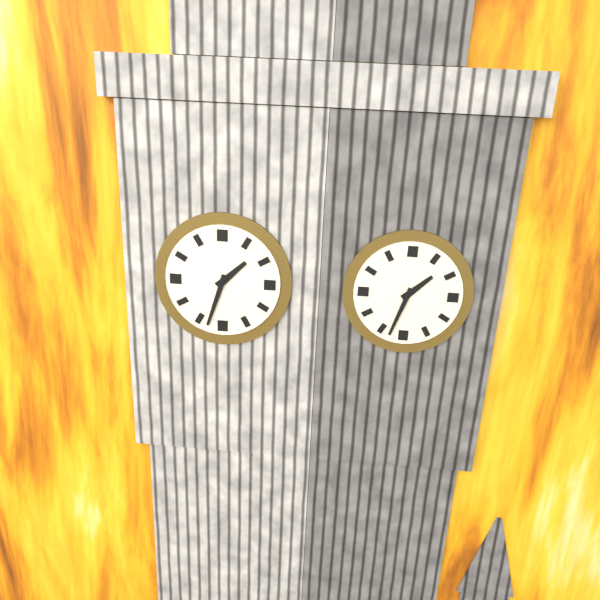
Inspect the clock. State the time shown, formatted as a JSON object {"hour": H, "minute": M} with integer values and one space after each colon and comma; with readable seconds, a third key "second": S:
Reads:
{"hour": 1, "minute": 33}
